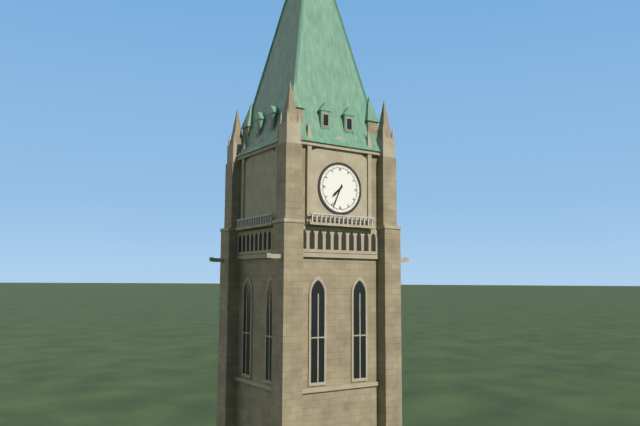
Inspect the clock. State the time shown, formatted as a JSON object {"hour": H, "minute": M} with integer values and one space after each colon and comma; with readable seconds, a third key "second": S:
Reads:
{"hour": 7, "minute": 34}
